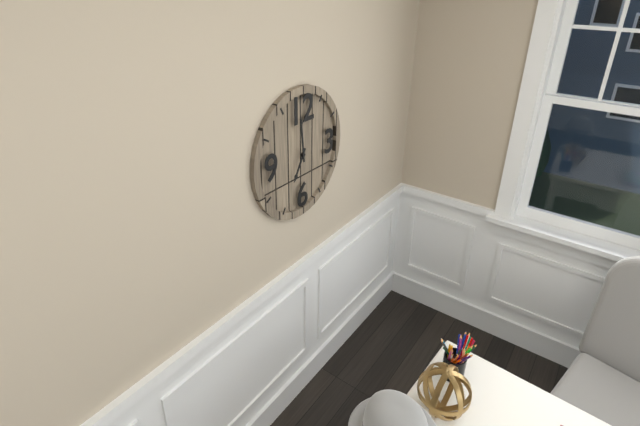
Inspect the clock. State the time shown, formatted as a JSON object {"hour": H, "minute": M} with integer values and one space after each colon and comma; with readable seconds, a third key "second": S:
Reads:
{"hour": 6, "minute": 59}
